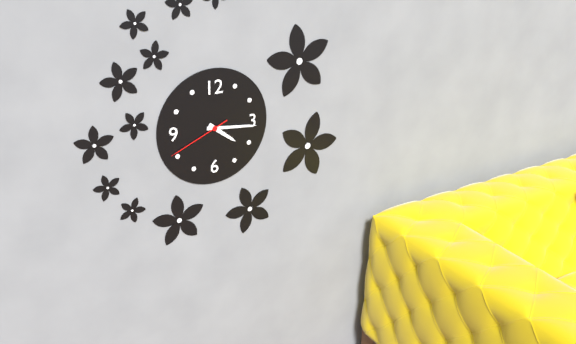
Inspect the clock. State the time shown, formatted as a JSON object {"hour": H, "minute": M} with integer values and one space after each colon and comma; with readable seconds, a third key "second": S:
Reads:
{"hour": 4, "minute": 16, "second": 41}
